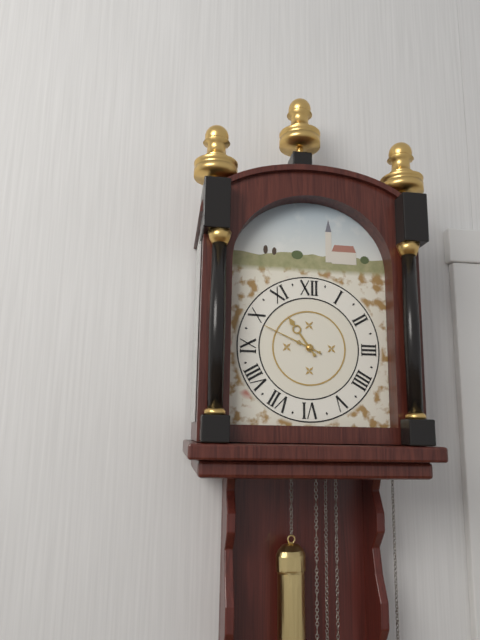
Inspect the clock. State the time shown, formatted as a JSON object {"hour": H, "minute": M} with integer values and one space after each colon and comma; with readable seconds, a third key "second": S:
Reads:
{"hour": 10, "minute": 49}
